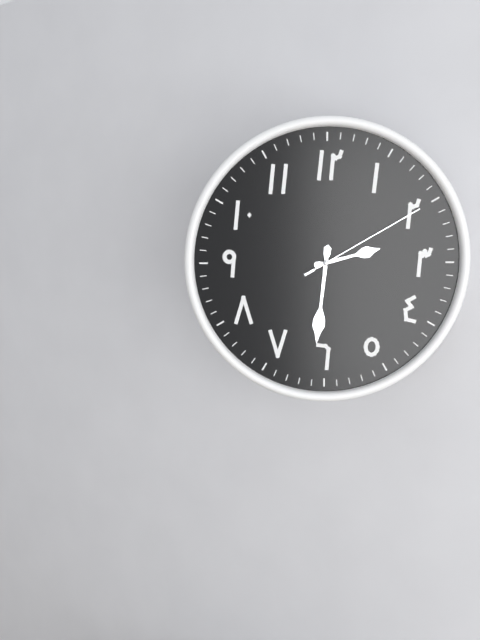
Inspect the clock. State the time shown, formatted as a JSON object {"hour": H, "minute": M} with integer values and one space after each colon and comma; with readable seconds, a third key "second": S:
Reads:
{"hour": 2, "minute": 31, "second": 10}
